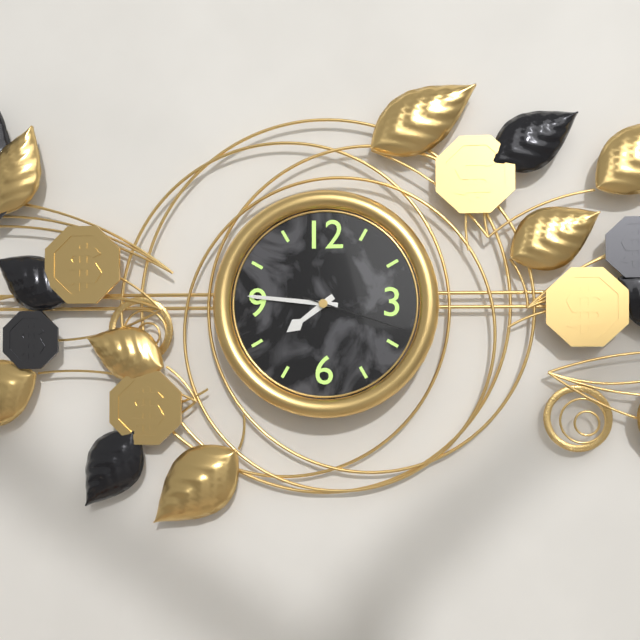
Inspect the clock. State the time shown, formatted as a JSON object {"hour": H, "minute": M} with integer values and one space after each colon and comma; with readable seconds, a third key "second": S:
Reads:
{"hour": 7, "minute": 46, "second": 18}
